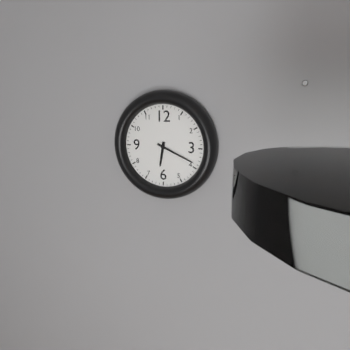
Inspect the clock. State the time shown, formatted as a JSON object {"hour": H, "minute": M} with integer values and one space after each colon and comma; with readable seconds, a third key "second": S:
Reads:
{"hour": 6, "minute": 19}
